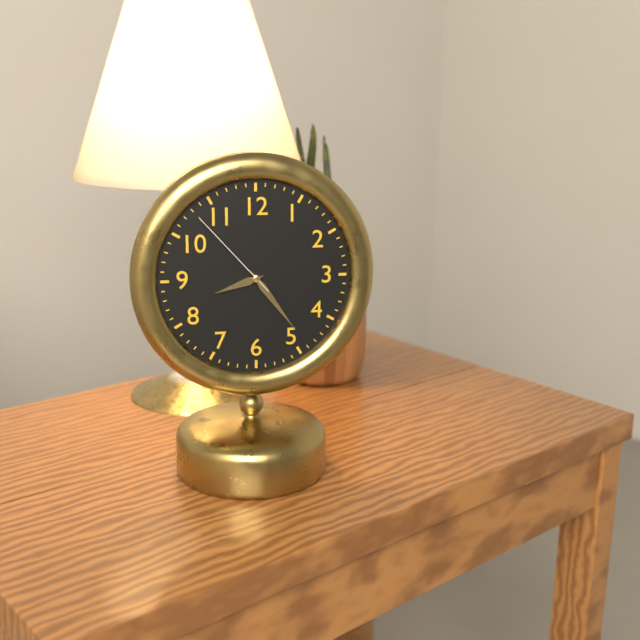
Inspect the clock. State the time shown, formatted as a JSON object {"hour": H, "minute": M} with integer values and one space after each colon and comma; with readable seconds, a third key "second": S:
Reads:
{"hour": 8, "minute": 24, "second": 53}
